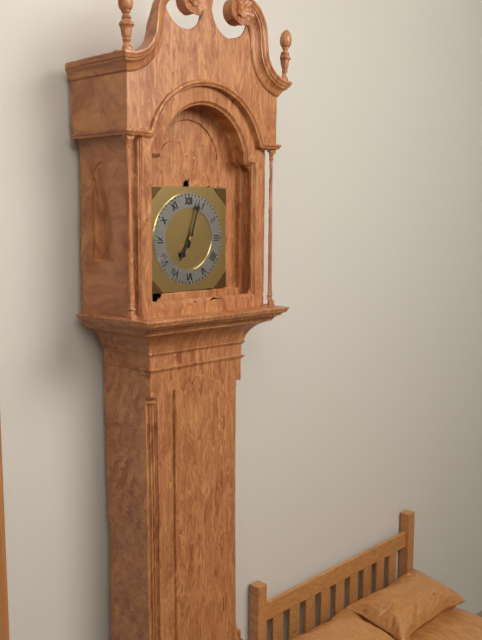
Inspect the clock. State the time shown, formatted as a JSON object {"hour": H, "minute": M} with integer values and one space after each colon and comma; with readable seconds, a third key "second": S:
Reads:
{"hour": 7, "minute": 3}
